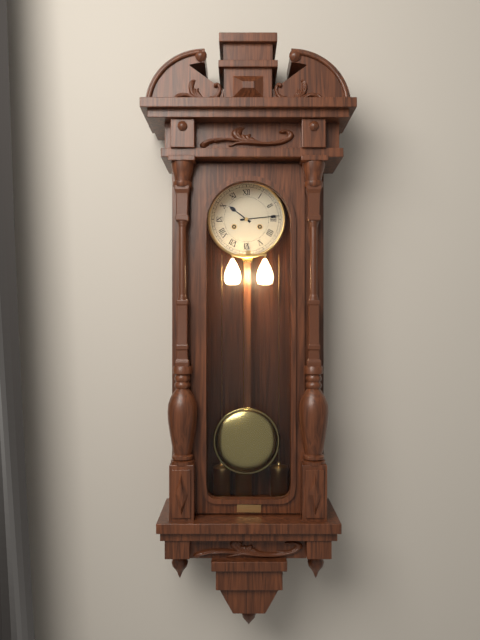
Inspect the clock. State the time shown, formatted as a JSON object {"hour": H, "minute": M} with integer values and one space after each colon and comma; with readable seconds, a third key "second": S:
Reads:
{"hour": 10, "minute": 14}
